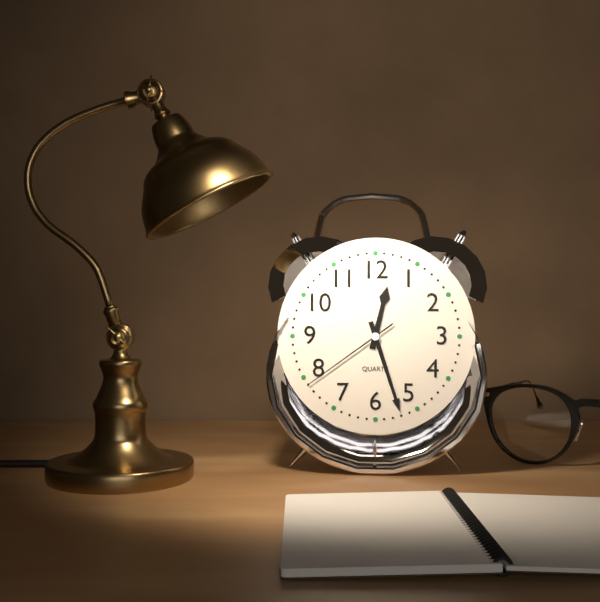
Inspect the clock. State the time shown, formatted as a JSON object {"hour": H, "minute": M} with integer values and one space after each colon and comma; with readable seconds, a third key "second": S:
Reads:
{"hour": 12, "minute": 27, "second": 39}
